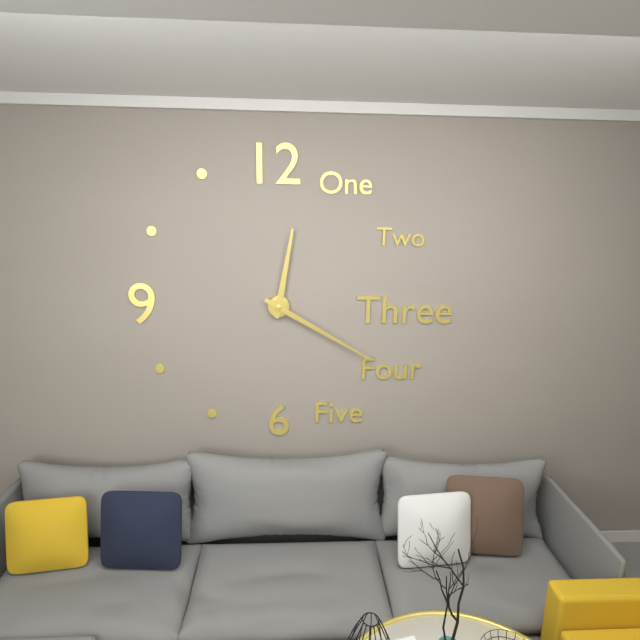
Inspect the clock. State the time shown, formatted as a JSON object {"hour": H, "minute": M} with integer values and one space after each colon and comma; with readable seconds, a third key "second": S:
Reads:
{"hour": 12, "minute": 20}
